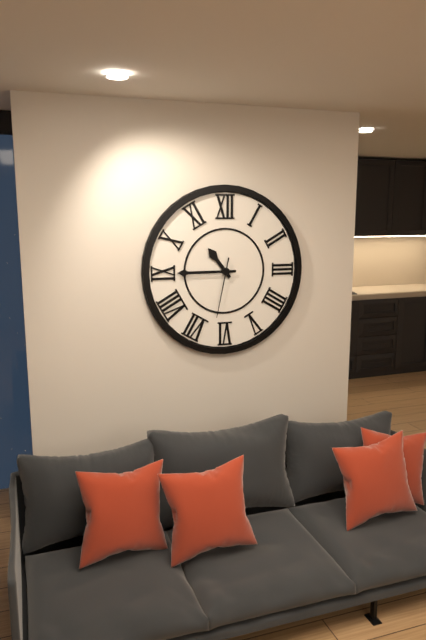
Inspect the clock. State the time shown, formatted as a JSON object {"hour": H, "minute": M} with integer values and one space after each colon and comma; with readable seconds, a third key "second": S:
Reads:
{"hour": 10, "minute": 45, "second": 32}
